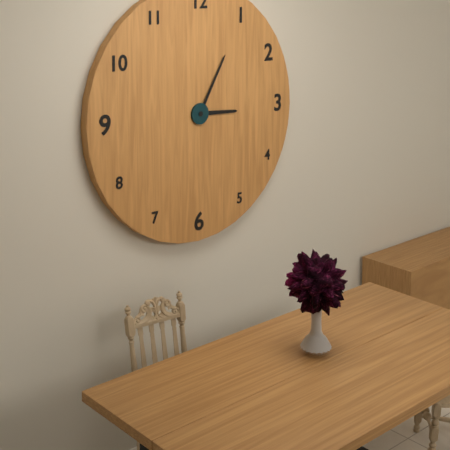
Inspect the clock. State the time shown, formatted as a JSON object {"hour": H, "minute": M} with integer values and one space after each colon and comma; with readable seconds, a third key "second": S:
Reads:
{"hour": 3, "minute": 5}
